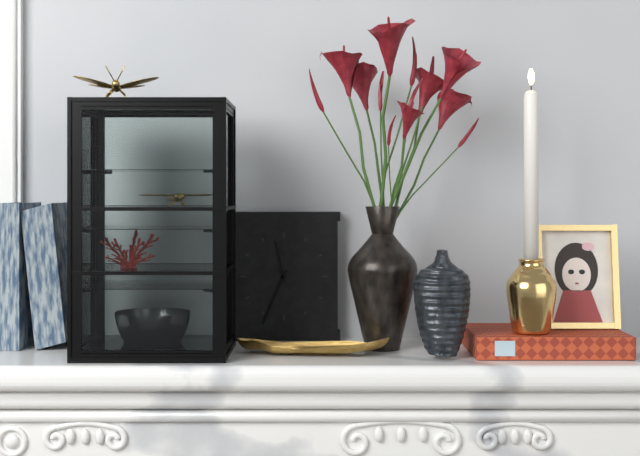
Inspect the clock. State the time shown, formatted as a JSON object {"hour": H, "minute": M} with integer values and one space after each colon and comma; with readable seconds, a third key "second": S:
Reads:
{"hour": 11, "minute": 34}
